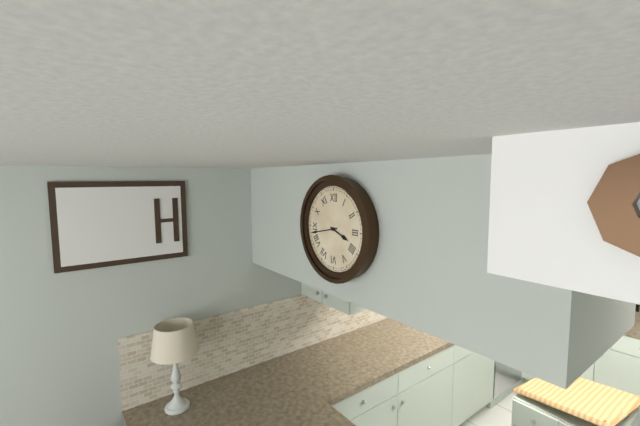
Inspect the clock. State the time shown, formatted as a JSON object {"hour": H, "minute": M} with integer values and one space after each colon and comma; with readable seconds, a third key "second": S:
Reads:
{"hour": 3, "minute": 43}
